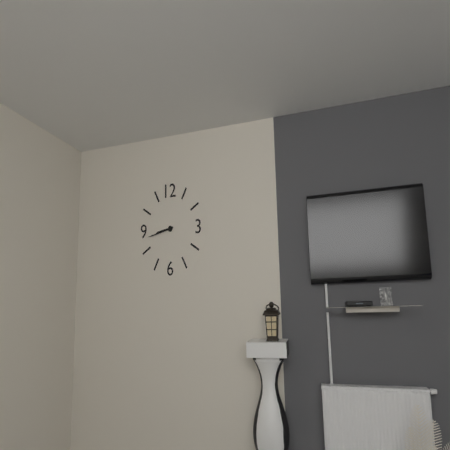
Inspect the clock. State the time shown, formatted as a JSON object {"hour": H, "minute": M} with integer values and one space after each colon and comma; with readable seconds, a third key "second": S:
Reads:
{"hour": 8, "minute": 43}
